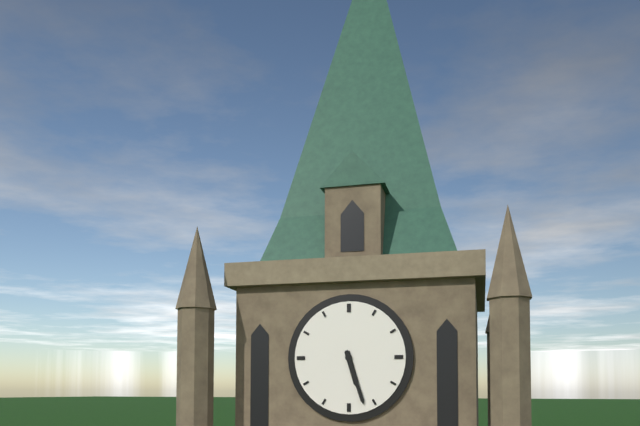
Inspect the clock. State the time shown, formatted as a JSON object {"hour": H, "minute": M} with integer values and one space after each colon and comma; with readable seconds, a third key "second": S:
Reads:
{"hour": 5, "minute": 27}
